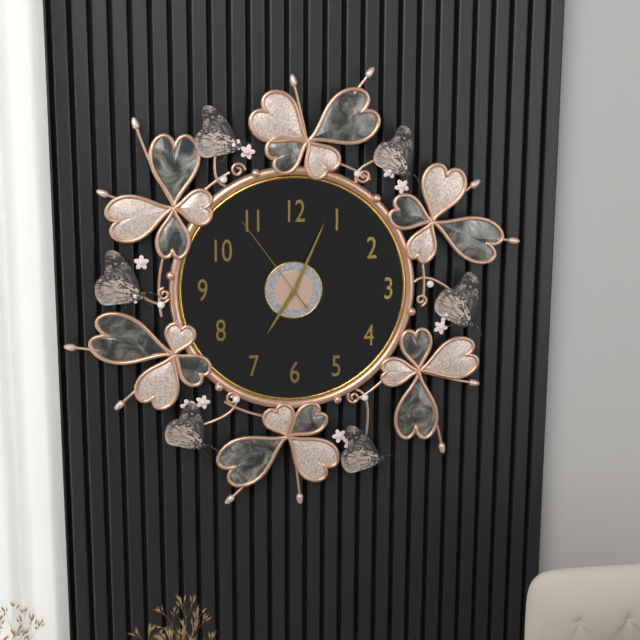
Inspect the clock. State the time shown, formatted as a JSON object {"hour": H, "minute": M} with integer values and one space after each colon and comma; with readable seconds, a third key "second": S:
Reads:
{"hour": 7, "minute": 4, "second": 54}
